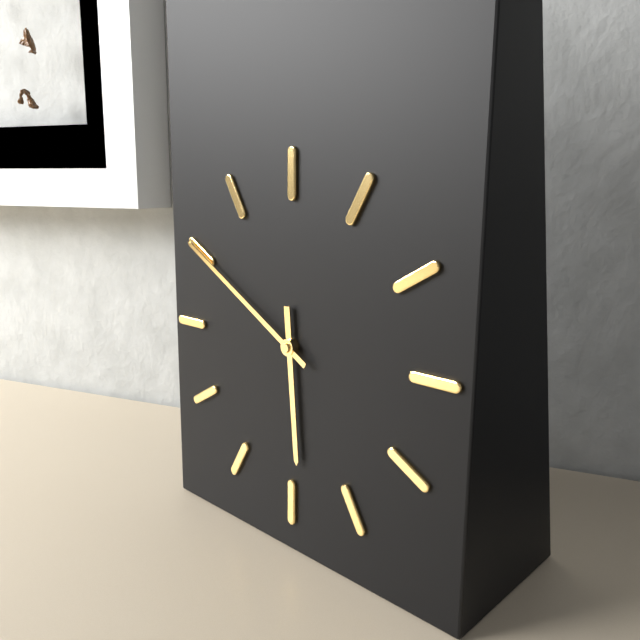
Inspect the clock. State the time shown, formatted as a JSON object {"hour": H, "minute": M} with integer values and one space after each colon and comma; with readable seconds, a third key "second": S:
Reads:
{"hour": 5, "minute": 50}
